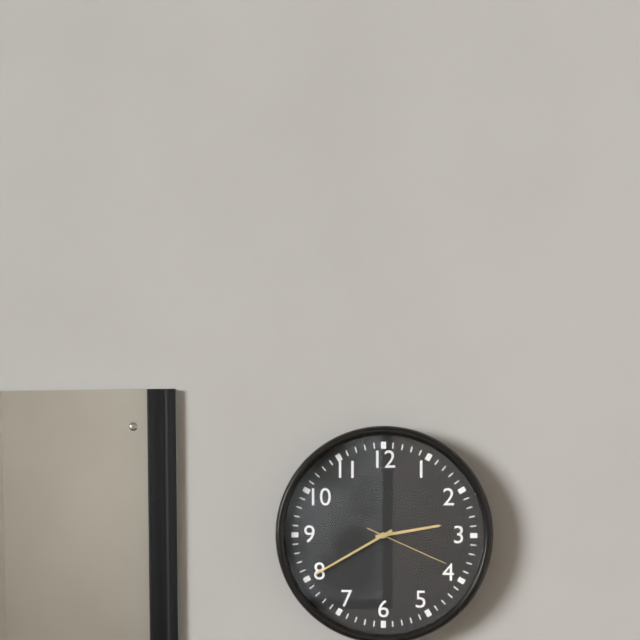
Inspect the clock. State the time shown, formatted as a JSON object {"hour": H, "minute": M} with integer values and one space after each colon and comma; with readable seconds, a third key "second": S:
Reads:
{"hour": 2, "minute": 40, "second": 19}
